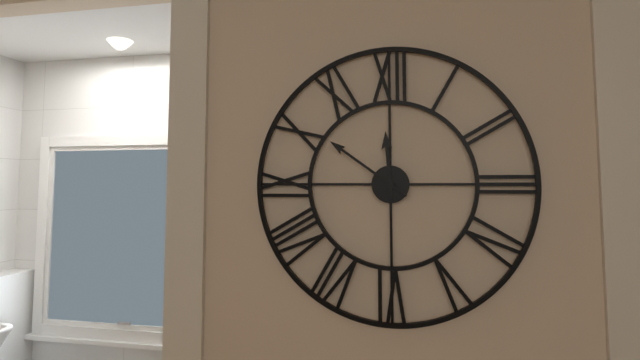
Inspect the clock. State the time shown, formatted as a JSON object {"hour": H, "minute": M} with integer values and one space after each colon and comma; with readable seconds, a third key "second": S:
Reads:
{"hour": 11, "minute": 51}
